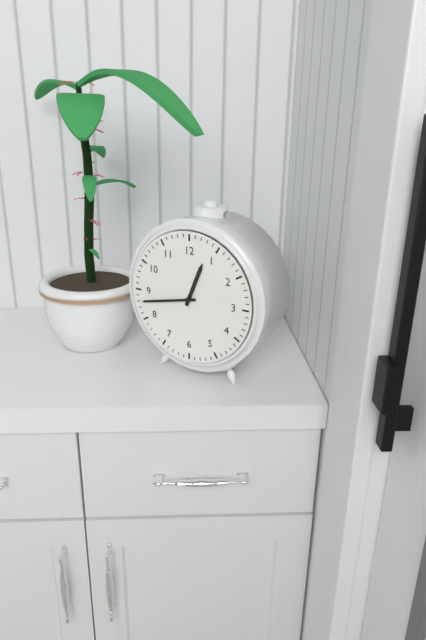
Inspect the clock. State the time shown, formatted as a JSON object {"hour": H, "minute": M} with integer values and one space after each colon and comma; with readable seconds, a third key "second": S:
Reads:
{"hour": 12, "minute": 43}
